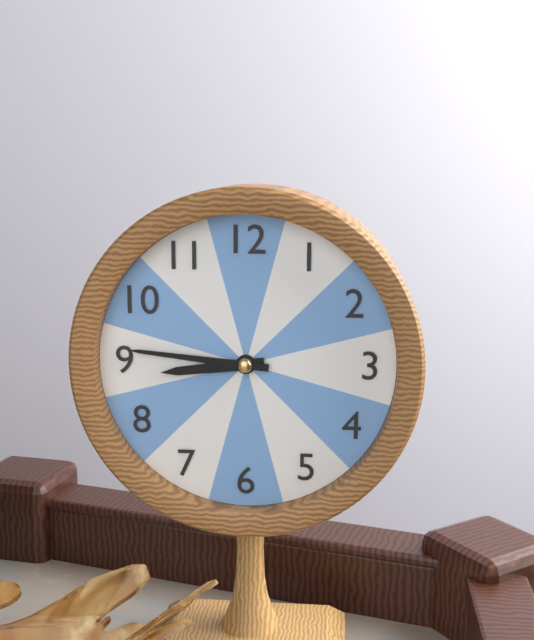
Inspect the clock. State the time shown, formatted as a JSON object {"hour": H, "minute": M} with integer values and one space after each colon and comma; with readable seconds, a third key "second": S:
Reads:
{"hour": 8, "minute": 46}
